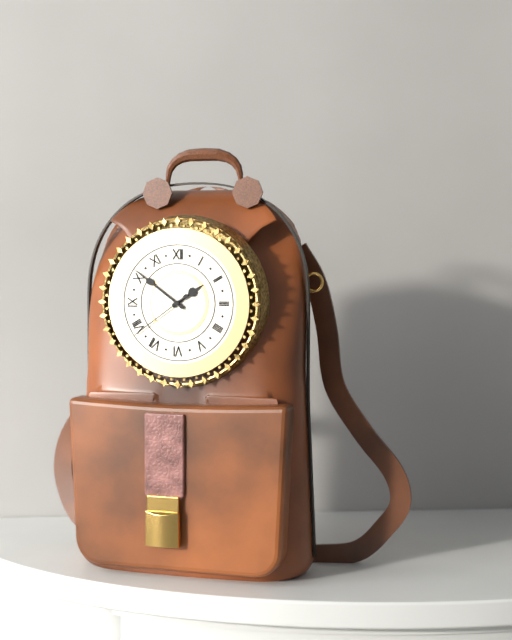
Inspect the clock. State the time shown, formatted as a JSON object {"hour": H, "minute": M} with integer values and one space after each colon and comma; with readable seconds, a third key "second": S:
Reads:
{"hour": 1, "minute": 51, "second": 39}
